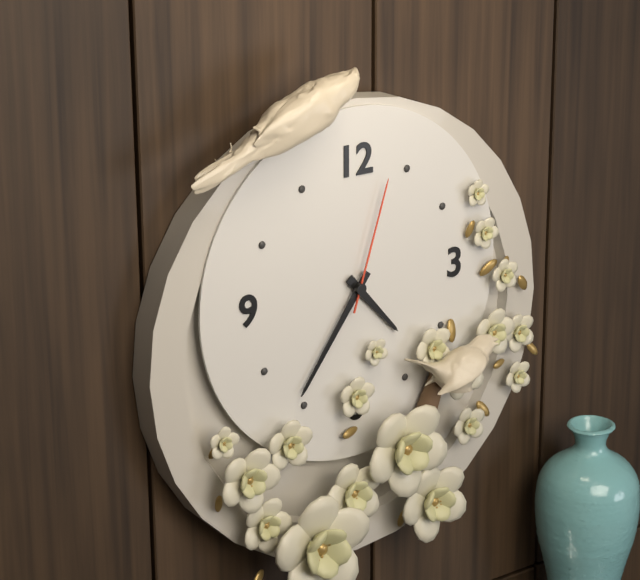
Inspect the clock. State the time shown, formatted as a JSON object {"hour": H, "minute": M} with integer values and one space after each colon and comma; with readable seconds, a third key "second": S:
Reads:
{"hour": 4, "minute": 36, "second": 3}
